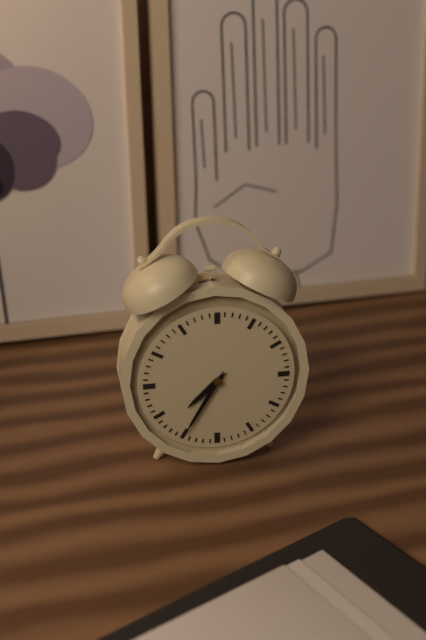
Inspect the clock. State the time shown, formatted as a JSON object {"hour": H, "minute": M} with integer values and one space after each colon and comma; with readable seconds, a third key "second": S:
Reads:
{"hour": 7, "minute": 35}
